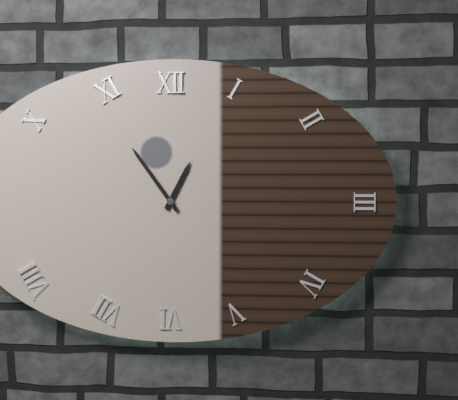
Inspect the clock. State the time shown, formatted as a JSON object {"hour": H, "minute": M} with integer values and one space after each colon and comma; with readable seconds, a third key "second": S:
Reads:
{"hour": 12, "minute": 54}
